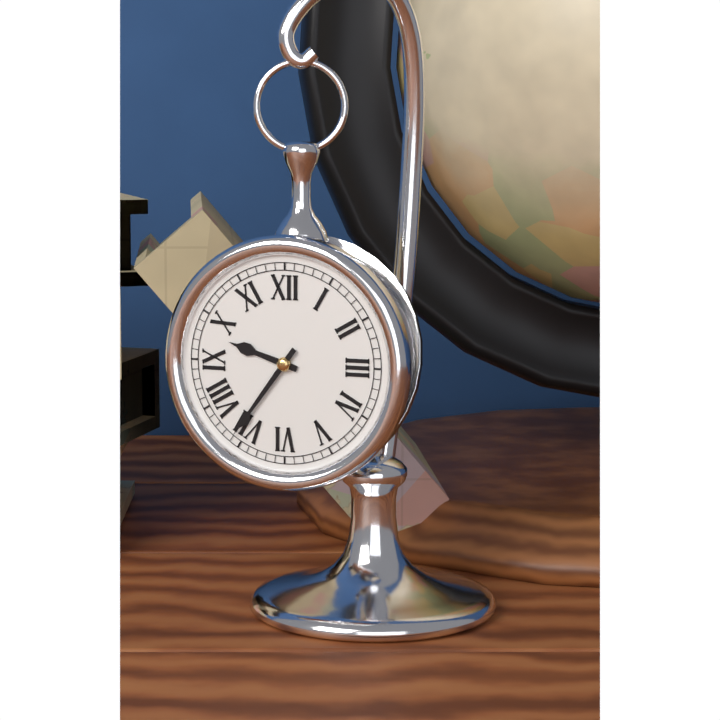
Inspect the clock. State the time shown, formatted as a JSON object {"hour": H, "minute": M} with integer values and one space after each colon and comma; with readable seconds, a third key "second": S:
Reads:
{"hour": 9, "minute": 36}
